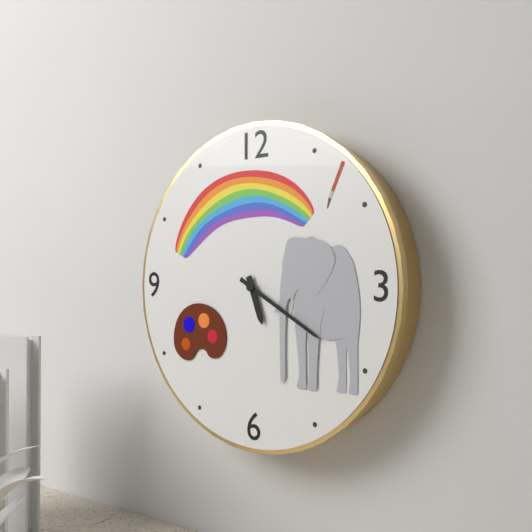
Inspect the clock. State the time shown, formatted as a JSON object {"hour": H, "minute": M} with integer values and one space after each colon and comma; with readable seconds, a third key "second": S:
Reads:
{"hour": 5, "minute": 20}
